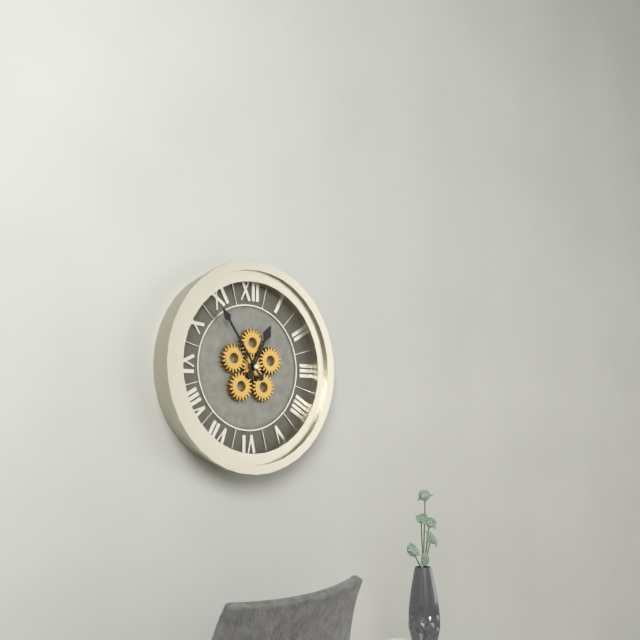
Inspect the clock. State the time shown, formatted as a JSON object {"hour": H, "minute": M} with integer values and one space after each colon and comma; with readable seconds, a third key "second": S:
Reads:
{"hour": 12, "minute": 54}
